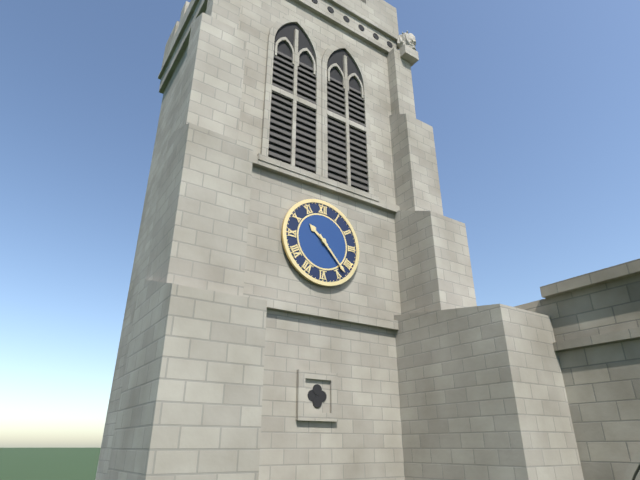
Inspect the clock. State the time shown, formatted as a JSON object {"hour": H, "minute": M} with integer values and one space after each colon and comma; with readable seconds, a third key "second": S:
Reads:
{"hour": 10, "minute": 23}
